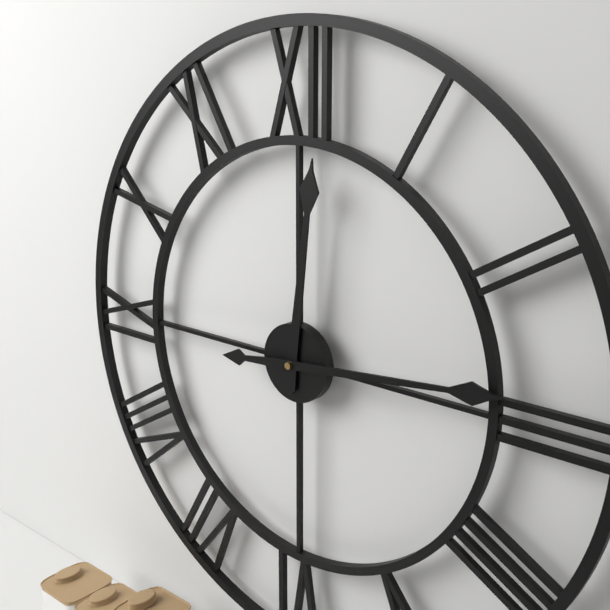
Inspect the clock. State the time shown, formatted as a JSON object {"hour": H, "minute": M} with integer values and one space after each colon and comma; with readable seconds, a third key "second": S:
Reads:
{"hour": 12, "minute": 14}
